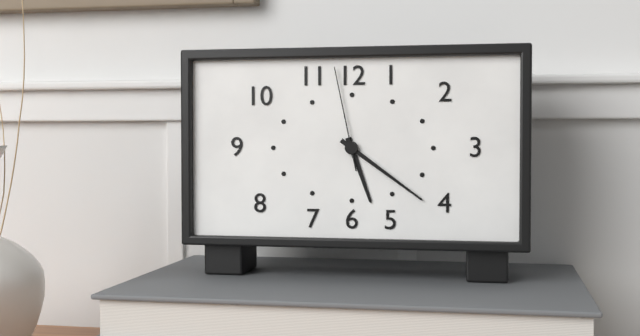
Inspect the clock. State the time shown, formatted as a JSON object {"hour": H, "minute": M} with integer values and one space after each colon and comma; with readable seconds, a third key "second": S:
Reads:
{"hour": 5, "minute": 21, "second": 58}
